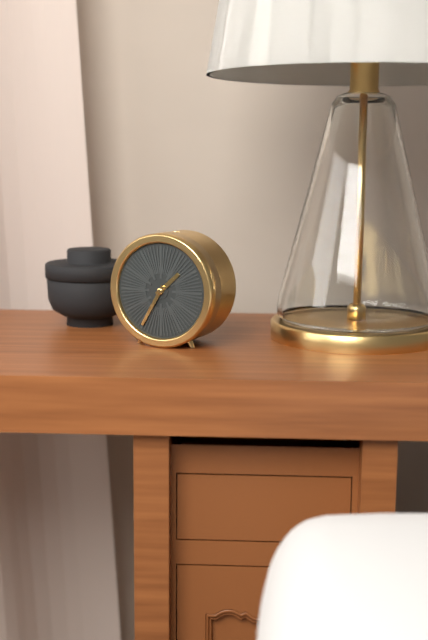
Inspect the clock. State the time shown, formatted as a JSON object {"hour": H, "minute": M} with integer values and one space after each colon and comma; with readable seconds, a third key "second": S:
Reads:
{"hour": 1, "minute": 35}
